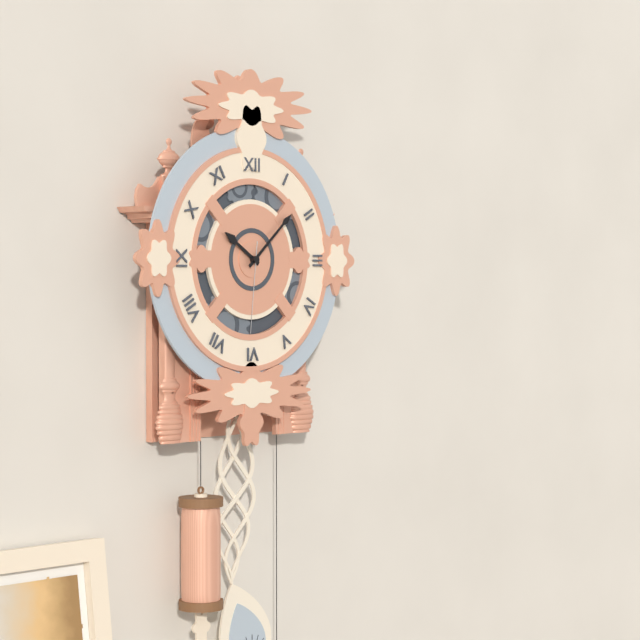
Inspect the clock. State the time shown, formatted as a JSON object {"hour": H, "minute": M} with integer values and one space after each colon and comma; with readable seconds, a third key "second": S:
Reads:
{"hour": 10, "minute": 8, "second": 31}
